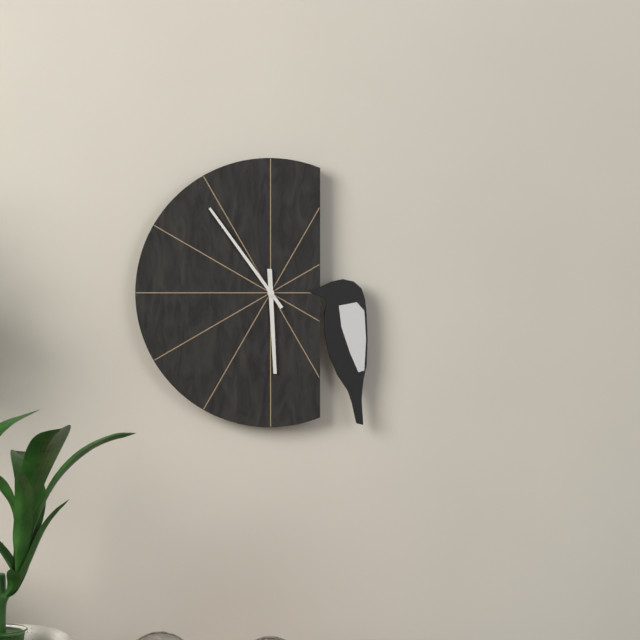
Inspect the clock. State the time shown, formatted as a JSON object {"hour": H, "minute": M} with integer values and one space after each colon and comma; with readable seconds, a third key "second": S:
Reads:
{"hour": 5, "minute": 54}
